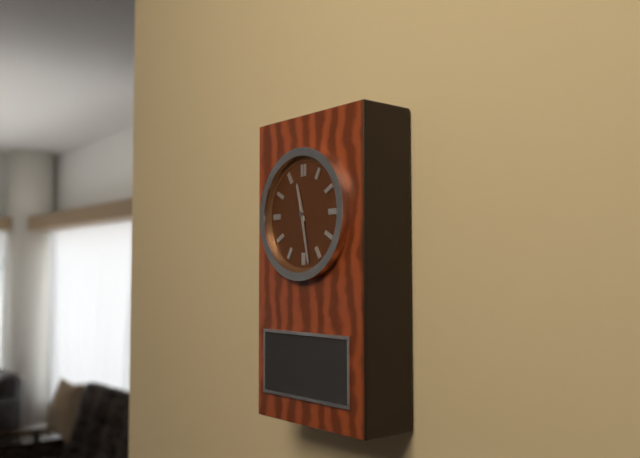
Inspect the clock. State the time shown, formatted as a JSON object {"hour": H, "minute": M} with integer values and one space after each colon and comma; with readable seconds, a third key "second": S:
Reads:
{"hour": 11, "minute": 28}
